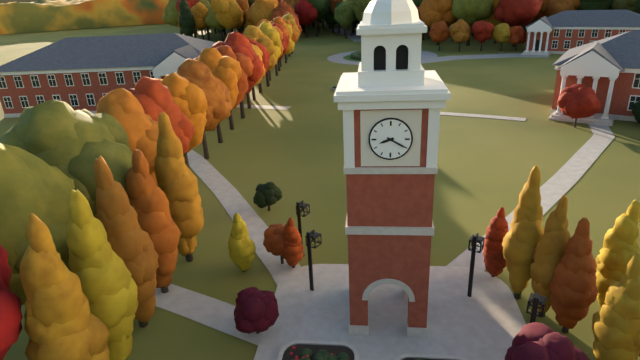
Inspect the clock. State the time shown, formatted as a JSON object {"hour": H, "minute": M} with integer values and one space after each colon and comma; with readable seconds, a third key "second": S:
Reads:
{"hour": 8, "minute": 20}
